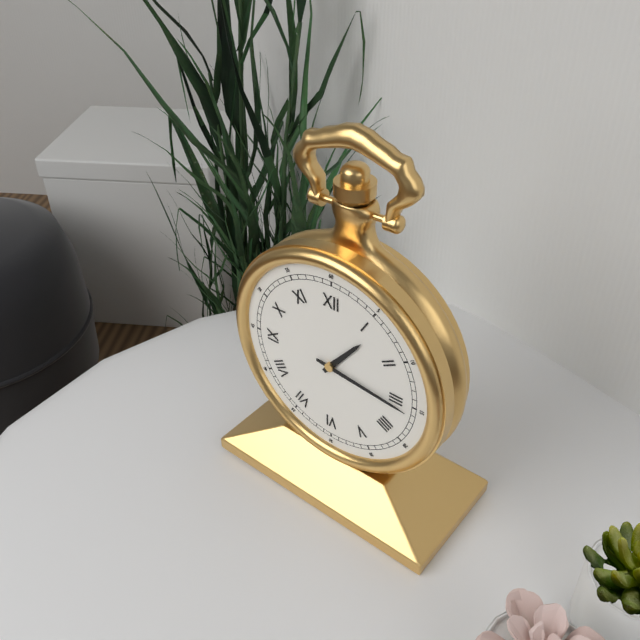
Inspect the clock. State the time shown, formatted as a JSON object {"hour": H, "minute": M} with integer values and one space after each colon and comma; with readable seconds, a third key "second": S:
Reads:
{"hour": 1, "minute": 16}
